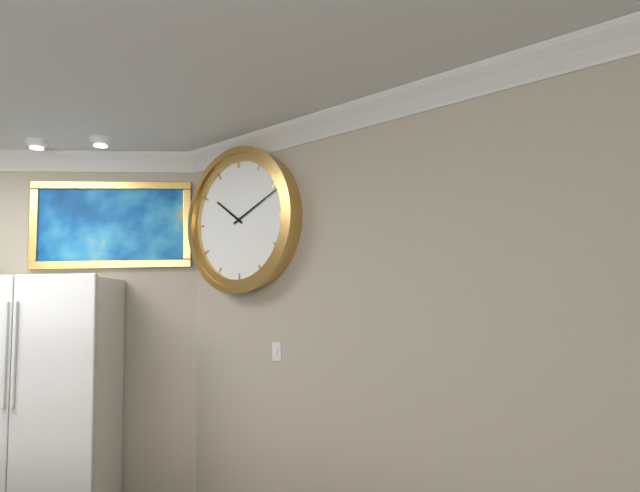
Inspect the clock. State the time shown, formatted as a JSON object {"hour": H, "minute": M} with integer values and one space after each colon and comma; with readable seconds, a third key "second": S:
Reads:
{"hour": 10, "minute": 11}
